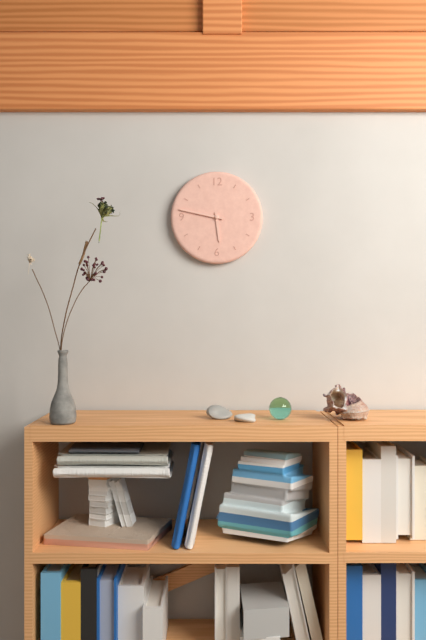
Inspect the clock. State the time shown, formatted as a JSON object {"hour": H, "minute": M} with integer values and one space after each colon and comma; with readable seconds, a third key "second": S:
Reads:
{"hour": 5, "minute": 47}
